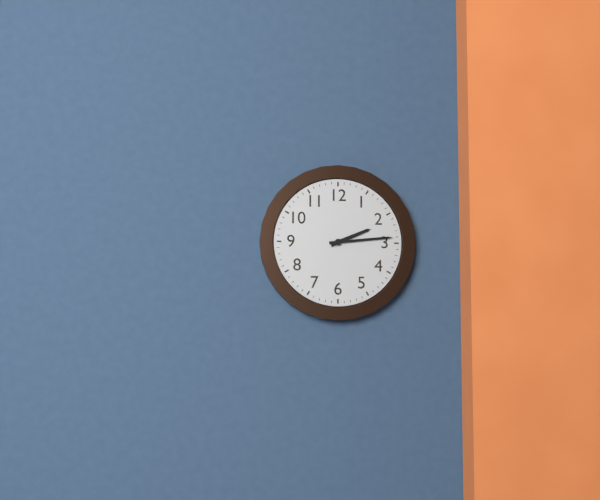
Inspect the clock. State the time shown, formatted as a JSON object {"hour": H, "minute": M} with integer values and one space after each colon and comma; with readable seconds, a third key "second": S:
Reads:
{"hour": 2, "minute": 14}
